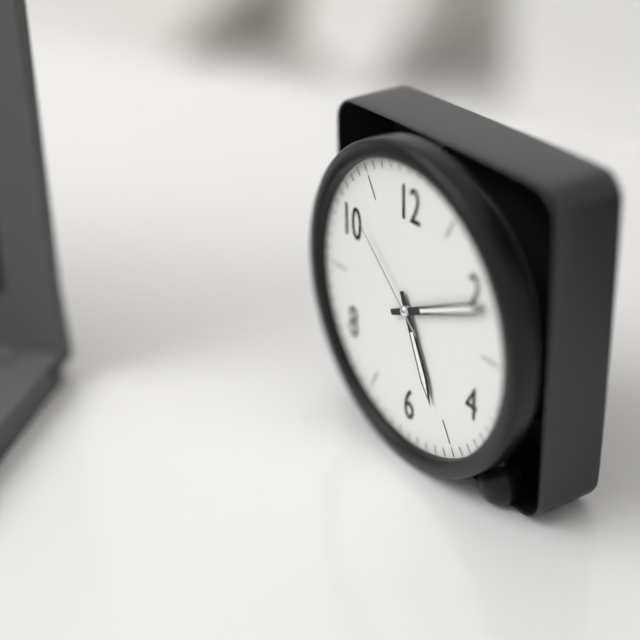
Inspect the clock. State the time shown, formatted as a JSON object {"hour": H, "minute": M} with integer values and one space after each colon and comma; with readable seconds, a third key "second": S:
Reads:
{"hour": 5, "minute": 11, "second": 52}
